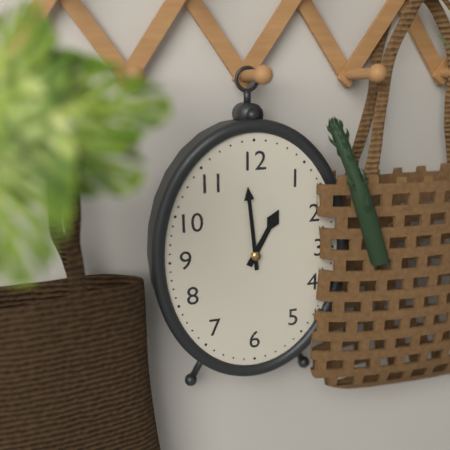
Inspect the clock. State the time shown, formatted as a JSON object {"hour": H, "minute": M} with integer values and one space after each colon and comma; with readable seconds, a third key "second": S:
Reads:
{"hour": 12, "minute": 59}
